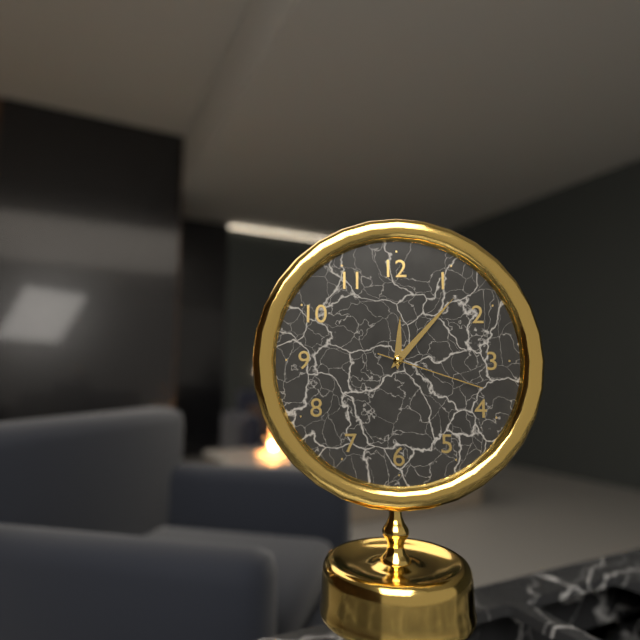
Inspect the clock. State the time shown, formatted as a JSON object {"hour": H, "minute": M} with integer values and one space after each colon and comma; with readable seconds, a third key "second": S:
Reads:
{"hour": 12, "minute": 7, "second": 18}
